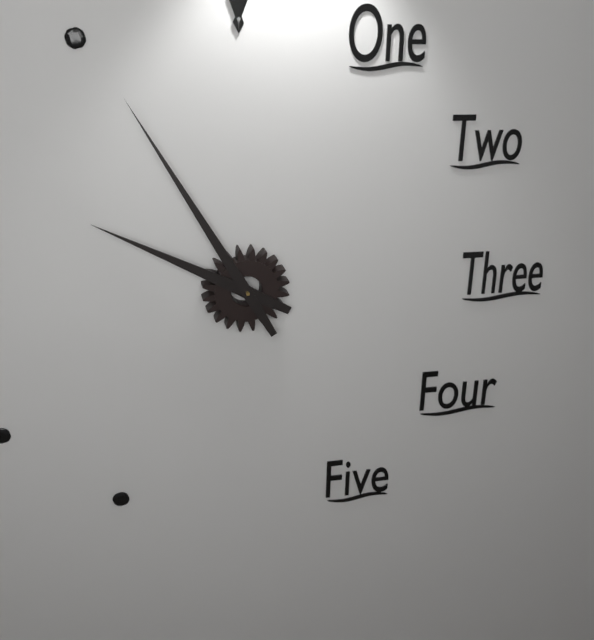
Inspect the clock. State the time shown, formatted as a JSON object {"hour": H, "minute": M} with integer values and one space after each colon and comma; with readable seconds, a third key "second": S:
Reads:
{"hour": 9, "minute": 55}
